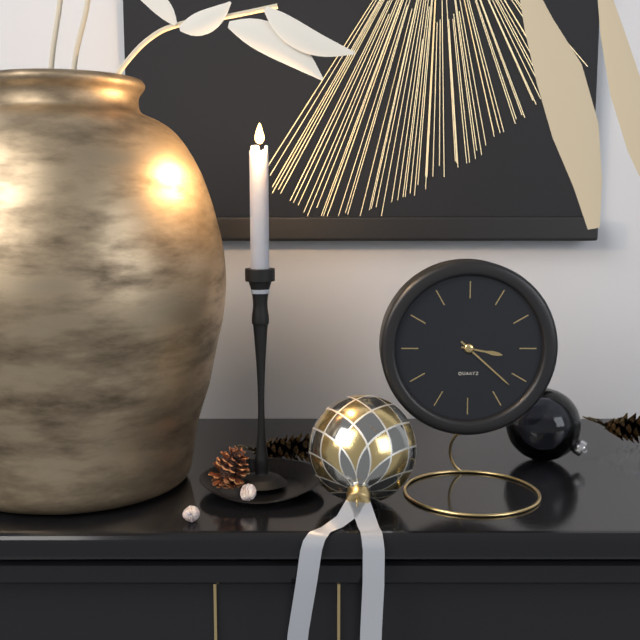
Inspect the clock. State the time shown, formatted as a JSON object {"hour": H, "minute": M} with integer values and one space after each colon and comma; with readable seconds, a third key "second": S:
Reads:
{"hour": 3, "minute": 22}
